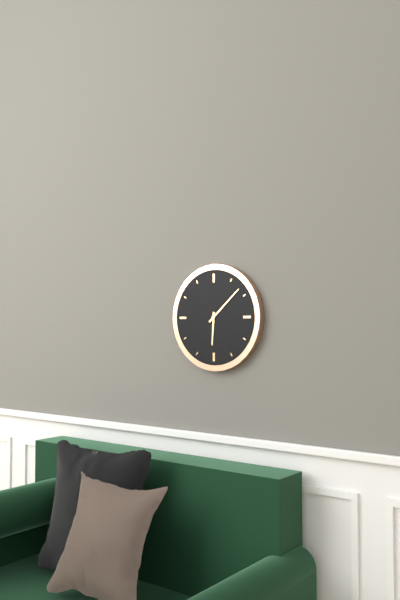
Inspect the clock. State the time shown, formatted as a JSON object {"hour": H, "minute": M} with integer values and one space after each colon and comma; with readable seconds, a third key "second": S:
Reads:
{"hour": 6, "minute": 8}
